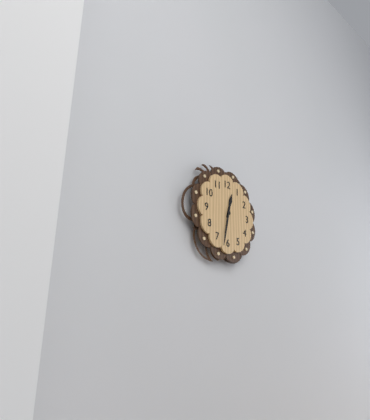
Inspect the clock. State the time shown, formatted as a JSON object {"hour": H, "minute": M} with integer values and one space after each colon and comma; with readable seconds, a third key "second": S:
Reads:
{"hour": 12, "minute": 32}
